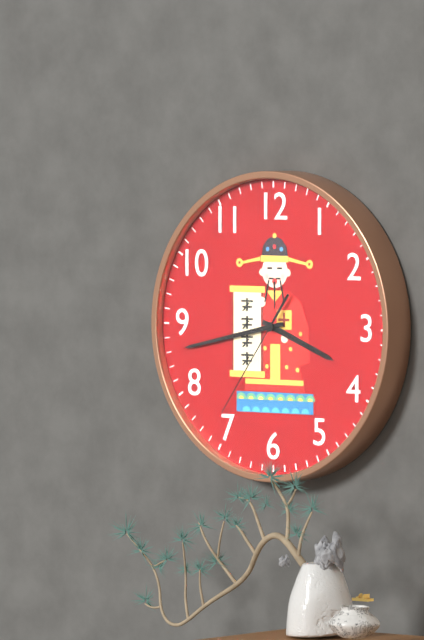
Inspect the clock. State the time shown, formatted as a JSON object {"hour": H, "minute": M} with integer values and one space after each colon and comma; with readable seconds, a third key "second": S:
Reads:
{"hour": 3, "minute": 43, "second": 36}
